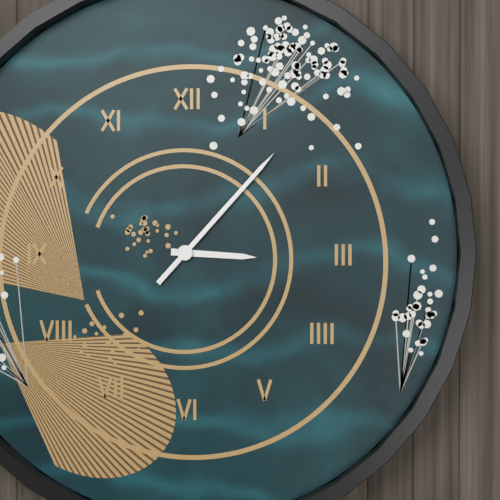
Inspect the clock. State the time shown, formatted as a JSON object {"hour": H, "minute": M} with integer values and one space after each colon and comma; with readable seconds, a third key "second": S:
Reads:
{"hour": 3, "minute": 7}
